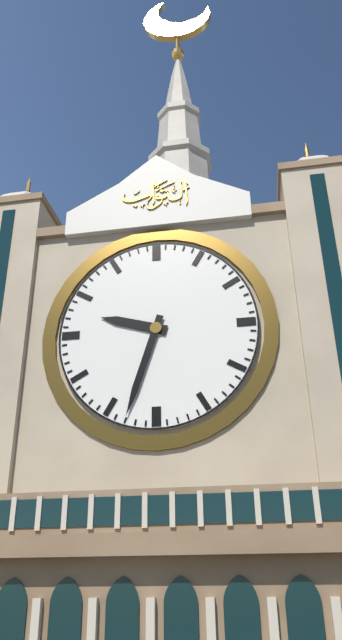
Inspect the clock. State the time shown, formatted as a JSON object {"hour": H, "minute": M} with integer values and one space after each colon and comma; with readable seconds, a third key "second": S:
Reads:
{"hour": 9, "minute": 33}
